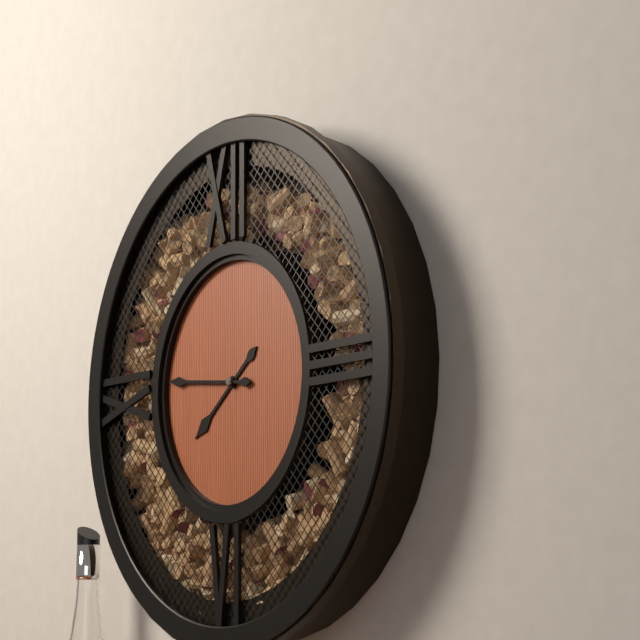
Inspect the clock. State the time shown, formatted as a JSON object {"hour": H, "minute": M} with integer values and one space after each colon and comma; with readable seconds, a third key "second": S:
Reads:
{"hour": 7, "minute": 46}
